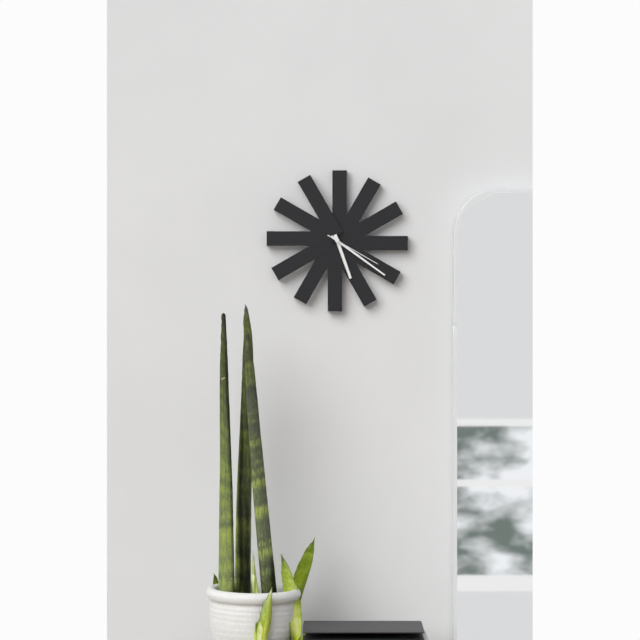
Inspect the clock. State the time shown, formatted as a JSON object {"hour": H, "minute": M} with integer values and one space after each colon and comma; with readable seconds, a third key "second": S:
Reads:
{"hour": 5, "minute": 21, "second": 20}
